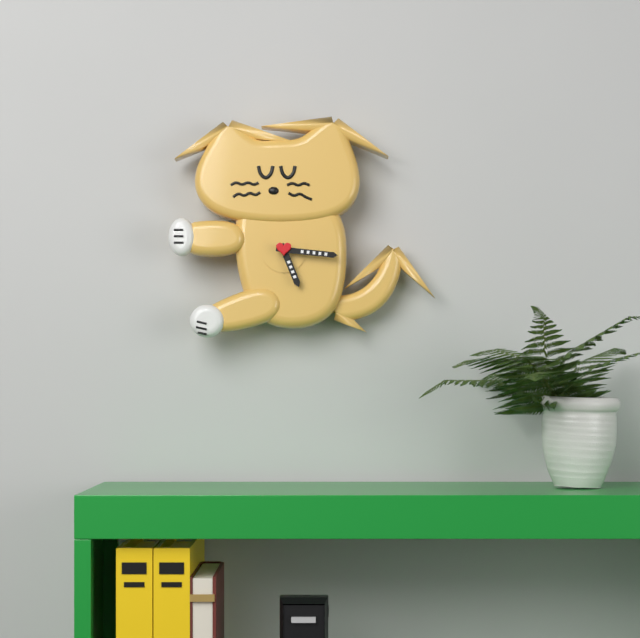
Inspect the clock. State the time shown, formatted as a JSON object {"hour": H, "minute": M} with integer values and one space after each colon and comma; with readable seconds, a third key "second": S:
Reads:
{"hour": 5, "minute": 16}
